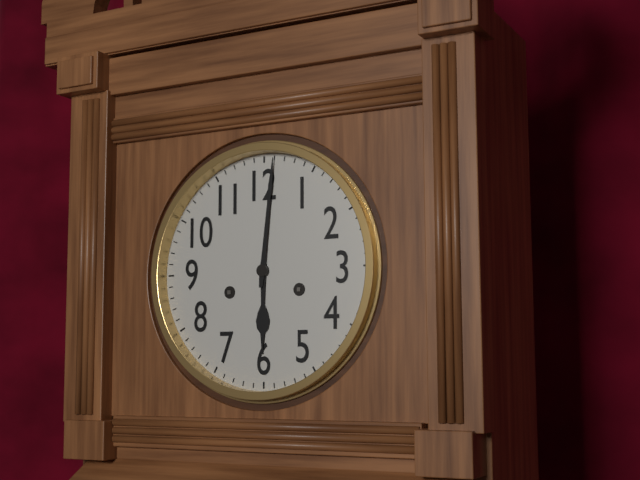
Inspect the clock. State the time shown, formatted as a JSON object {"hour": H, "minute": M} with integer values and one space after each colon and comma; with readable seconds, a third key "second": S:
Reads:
{"hour": 6, "minute": 1}
